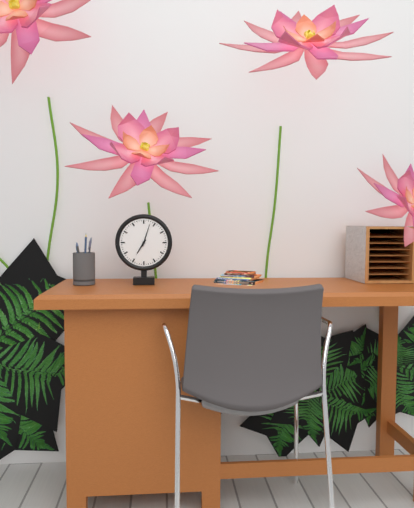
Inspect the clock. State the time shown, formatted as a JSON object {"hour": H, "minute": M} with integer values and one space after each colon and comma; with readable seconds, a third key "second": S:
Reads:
{"hour": 7, "minute": 3}
